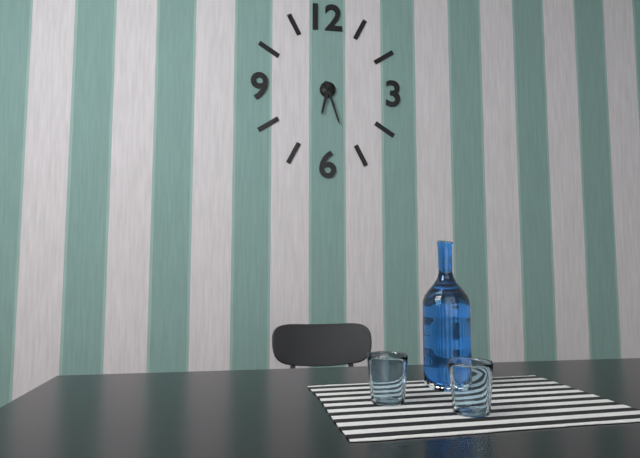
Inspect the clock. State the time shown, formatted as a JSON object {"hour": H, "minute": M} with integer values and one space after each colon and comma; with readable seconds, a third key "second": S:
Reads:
{"hour": 6, "minute": 27}
